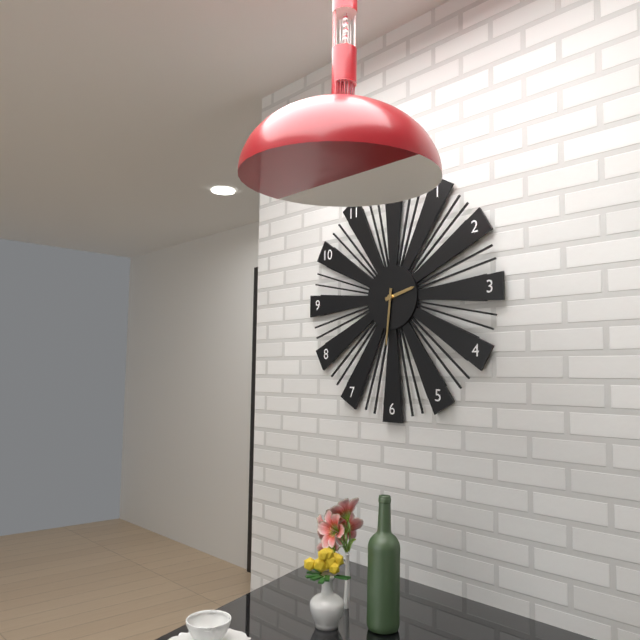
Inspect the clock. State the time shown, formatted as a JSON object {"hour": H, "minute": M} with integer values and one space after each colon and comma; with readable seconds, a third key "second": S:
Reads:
{"hour": 2, "minute": 31}
